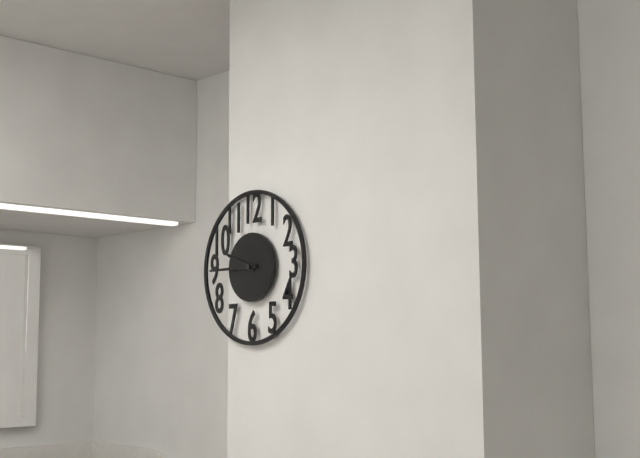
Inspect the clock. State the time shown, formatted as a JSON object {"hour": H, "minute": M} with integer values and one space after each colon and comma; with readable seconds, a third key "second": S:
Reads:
{"hour": 9, "minute": 45}
